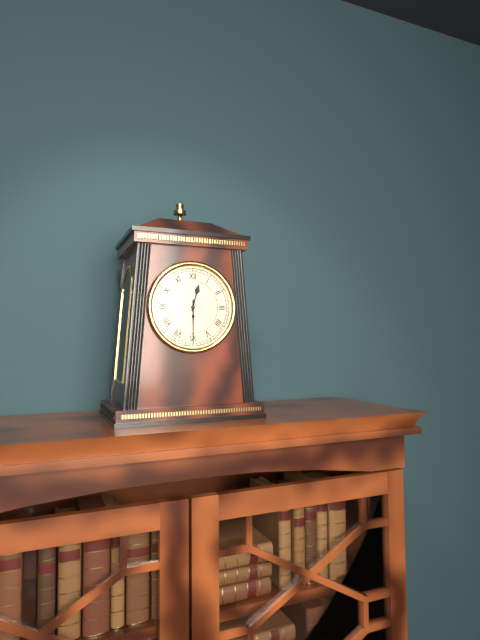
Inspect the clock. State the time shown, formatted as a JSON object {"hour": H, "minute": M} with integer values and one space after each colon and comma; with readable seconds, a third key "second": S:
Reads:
{"hour": 12, "minute": 30}
